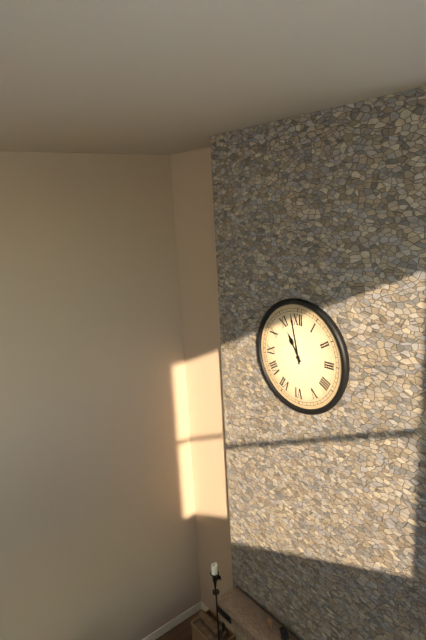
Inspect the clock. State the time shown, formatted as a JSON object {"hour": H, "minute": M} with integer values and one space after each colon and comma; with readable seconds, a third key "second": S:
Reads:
{"hour": 10, "minute": 58}
